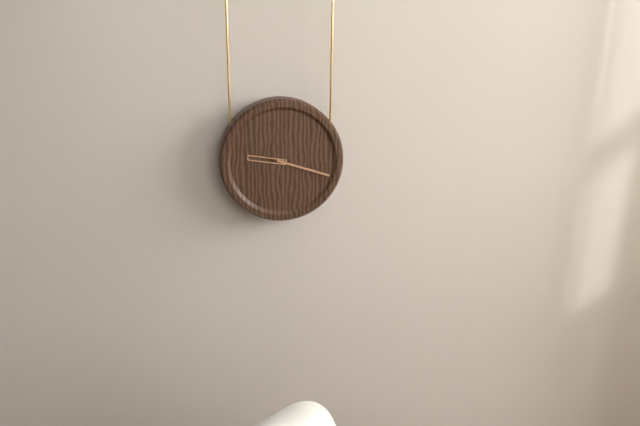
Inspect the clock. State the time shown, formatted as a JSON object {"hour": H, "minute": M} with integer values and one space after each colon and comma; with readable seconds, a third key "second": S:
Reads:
{"hour": 9, "minute": 18}
